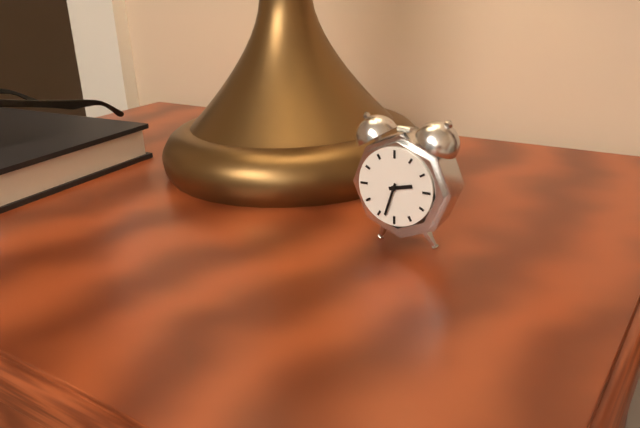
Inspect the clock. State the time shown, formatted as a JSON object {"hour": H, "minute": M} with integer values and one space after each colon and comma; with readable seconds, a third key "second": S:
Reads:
{"hour": 2, "minute": 33}
